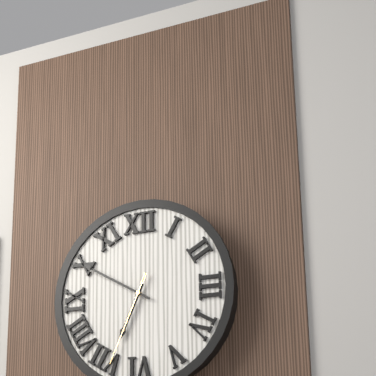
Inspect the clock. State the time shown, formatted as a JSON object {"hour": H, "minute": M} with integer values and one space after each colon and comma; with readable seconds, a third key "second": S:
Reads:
{"hour": 6, "minute": 50, "second": 34}
